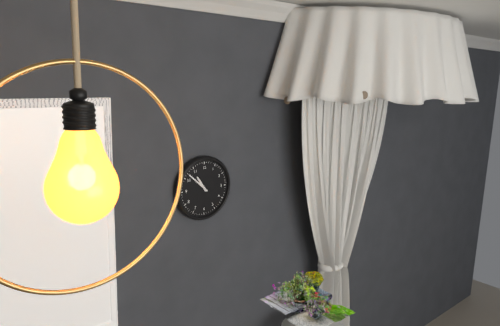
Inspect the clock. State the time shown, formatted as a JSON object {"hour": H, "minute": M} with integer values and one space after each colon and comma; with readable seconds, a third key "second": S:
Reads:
{"hour": 10, "minute": 52}
